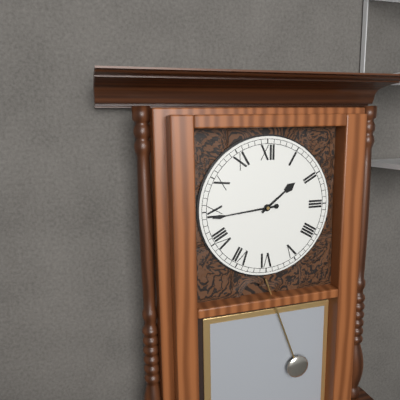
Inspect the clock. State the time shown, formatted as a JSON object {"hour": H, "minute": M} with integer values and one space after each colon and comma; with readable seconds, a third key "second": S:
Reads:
{"hour": 1, "minute": 44}
